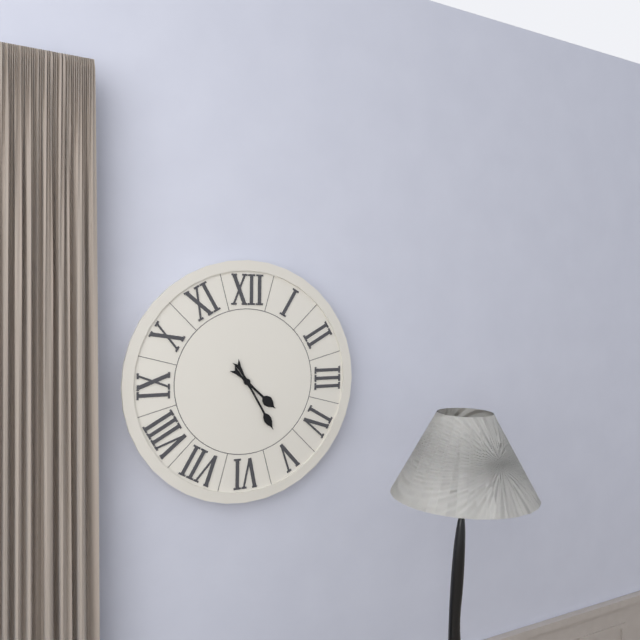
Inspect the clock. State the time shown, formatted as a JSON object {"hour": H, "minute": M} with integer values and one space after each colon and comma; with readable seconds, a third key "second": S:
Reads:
{"hour": 4, "minute": 25}
